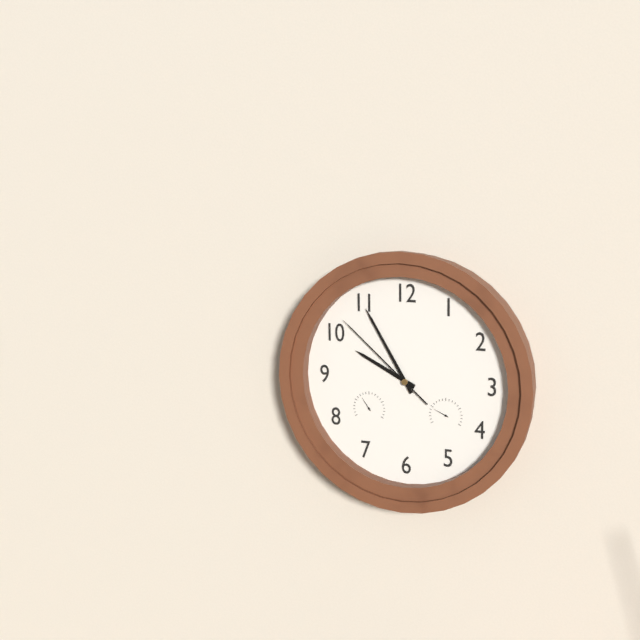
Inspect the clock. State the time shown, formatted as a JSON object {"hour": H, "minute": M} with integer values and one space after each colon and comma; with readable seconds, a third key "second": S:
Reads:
{"hour": 9, "minute": 55, "second": 52}
